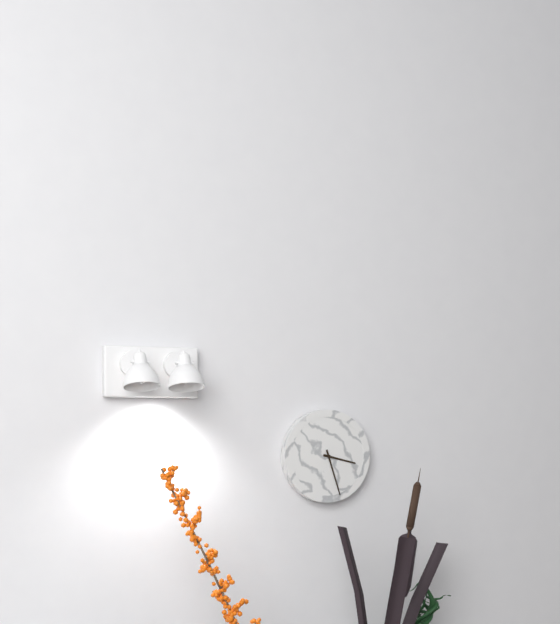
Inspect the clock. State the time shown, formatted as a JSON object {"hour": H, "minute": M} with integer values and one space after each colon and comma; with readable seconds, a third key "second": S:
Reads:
{"hour": 3, "minute": 27}
